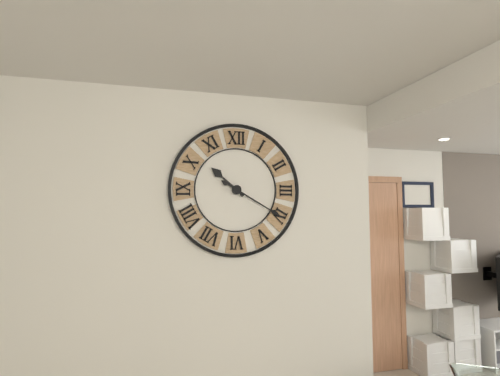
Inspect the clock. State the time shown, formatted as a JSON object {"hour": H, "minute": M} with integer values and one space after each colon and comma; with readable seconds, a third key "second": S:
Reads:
{"hour": 10, "minute": 20}
